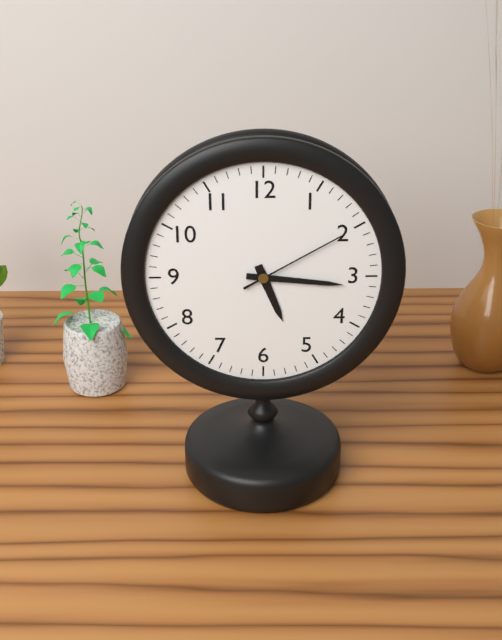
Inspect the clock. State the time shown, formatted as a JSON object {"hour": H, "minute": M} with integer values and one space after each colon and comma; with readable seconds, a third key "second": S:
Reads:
{"hour": 5, "minute": 16, "second": 10}
